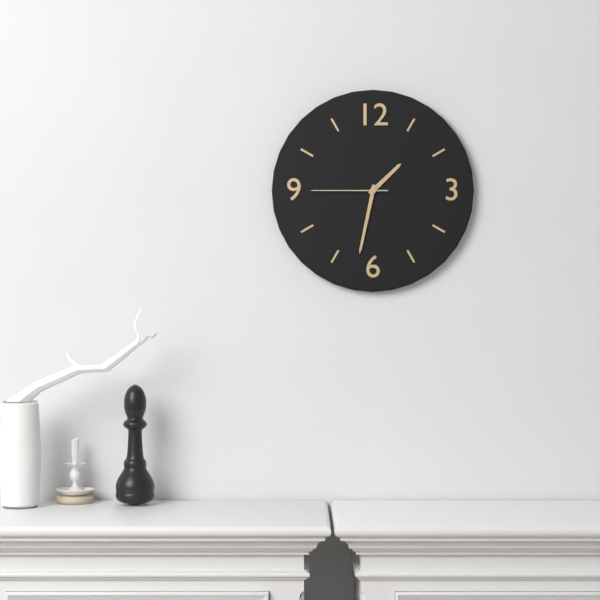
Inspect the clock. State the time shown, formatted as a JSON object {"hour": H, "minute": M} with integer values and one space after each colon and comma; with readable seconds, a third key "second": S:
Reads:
{"hour": 1, "minute": 32, "second": 45}
